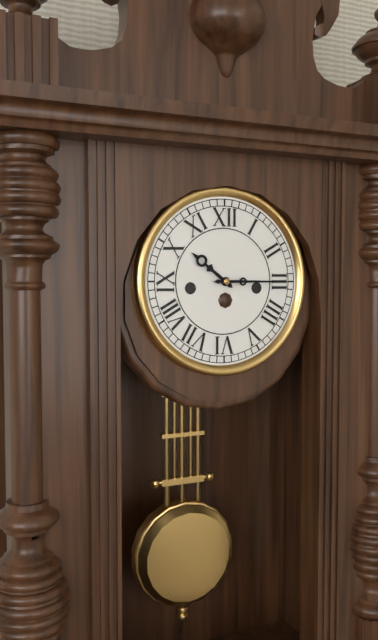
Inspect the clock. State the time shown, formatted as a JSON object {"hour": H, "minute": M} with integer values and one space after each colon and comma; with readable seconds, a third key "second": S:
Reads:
{"hour": 10, "minute": 15}
